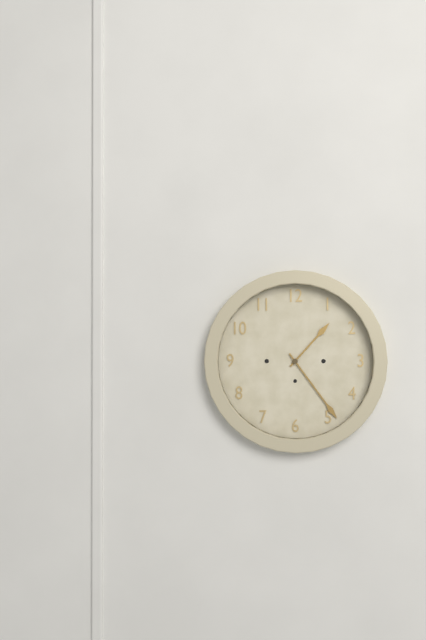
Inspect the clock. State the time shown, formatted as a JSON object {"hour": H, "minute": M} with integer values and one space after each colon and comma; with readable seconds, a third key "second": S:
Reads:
{"hour": 1, "minute": 24}
